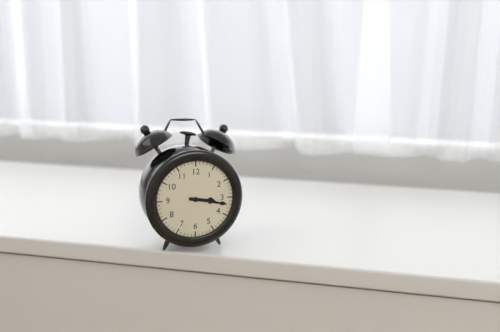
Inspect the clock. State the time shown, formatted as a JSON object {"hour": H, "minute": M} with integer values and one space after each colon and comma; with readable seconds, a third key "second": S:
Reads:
{"hour": 3, "minute": 17}
